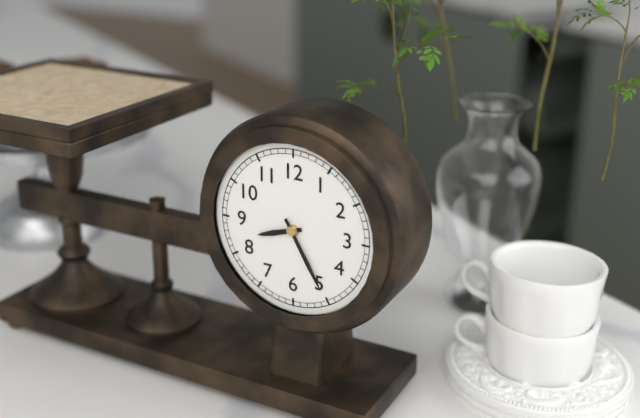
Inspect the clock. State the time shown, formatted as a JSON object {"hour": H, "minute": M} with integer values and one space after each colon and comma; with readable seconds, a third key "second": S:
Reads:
{"hour": 8, "minute": 25}
